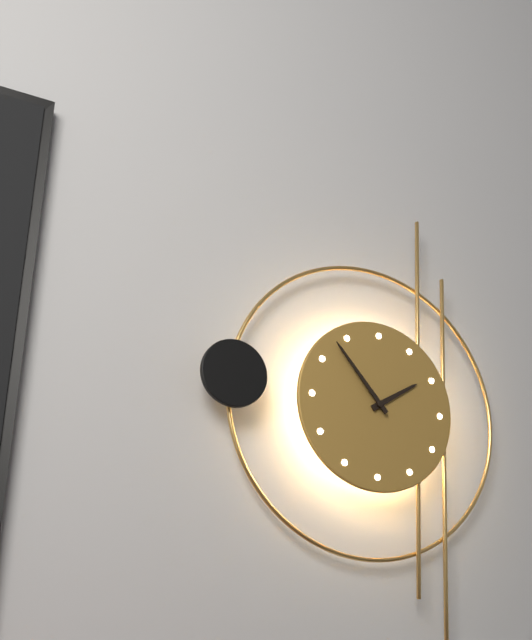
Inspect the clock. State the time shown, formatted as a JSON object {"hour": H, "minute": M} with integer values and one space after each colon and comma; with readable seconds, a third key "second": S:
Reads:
{"hour": 1, "minute": 53}
